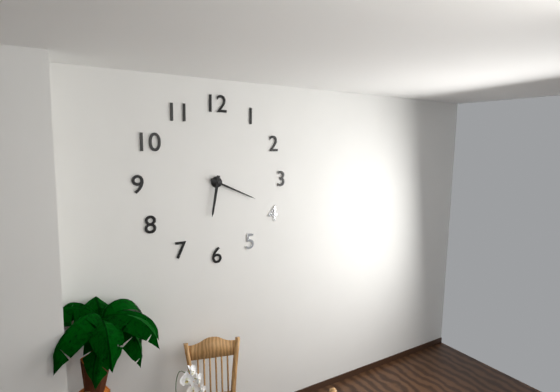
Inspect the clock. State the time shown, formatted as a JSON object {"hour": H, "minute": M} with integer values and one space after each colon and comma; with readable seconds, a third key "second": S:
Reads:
{"hour": 6, "minute": 19}
